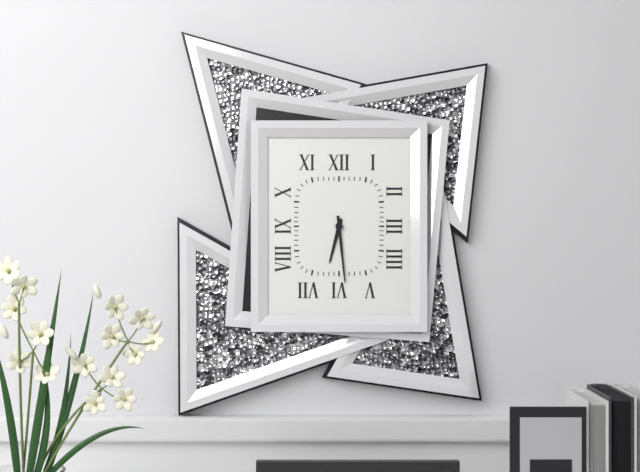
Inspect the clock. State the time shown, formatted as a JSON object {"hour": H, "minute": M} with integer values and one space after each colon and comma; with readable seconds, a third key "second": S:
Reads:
{"hour": 6, "minute": 29}
